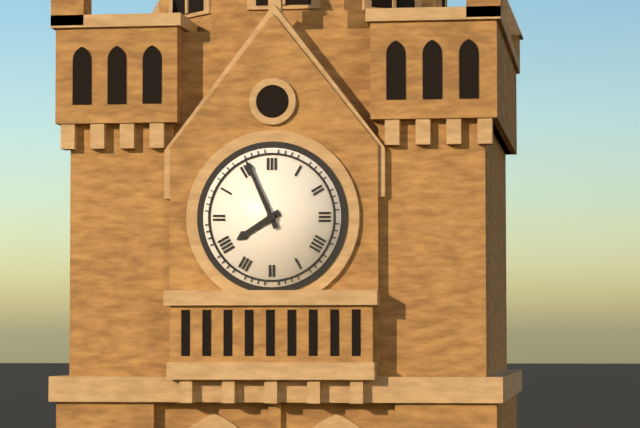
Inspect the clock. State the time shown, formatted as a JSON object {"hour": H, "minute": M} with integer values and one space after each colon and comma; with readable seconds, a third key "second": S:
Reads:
{"hour": 7, "minute": 56}
